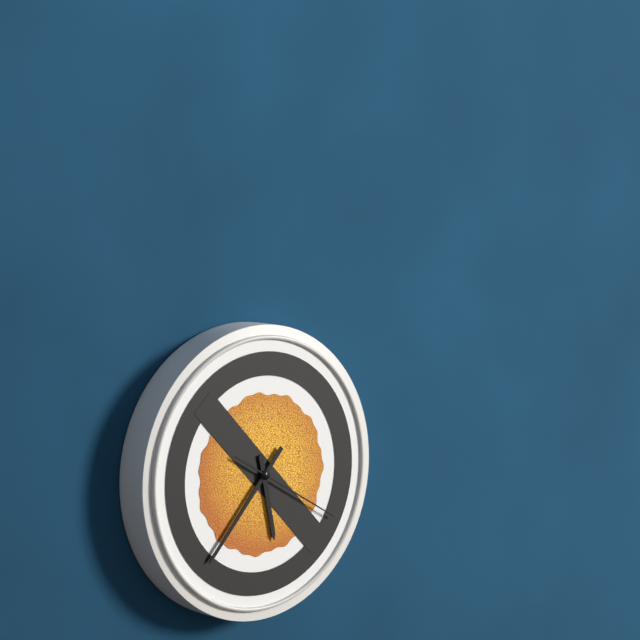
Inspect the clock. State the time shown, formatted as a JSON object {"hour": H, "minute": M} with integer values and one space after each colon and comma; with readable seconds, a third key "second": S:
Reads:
{"hour": 5, "minute": 37, "second": 20}
